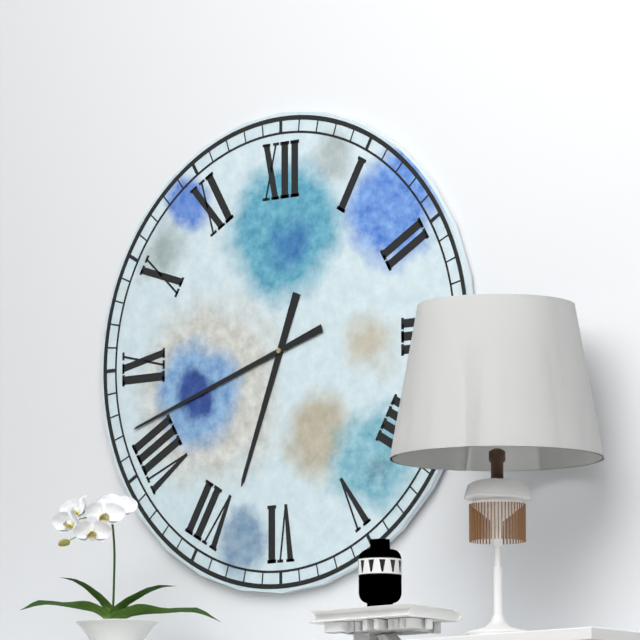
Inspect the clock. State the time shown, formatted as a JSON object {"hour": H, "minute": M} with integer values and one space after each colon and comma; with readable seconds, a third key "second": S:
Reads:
{"hour": 6, "minute": 42}
